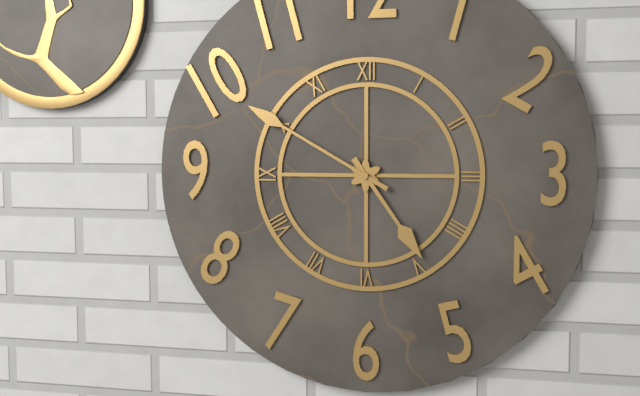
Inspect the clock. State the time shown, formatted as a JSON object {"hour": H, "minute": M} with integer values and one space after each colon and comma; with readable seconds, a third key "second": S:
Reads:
{"hour": 4, "minute": 50}
